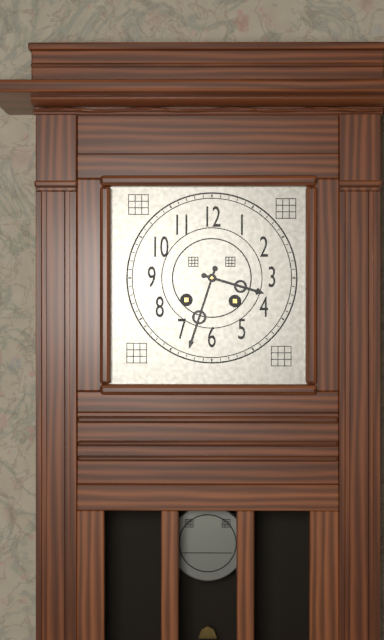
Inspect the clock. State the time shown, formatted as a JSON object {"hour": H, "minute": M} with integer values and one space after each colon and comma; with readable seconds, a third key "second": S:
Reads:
{"hour": 3, "minute": 33}
